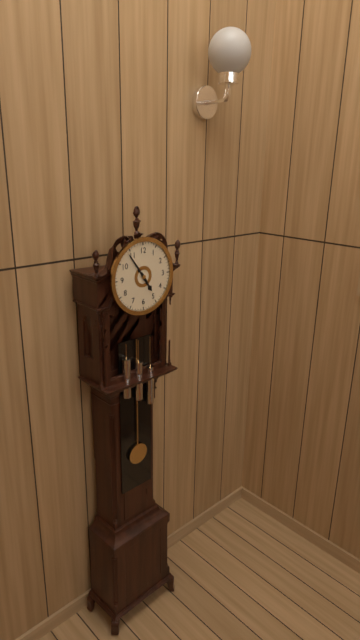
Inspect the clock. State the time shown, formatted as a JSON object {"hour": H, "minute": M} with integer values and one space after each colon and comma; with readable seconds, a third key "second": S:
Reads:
{"hour": 4, "minute": 54}
